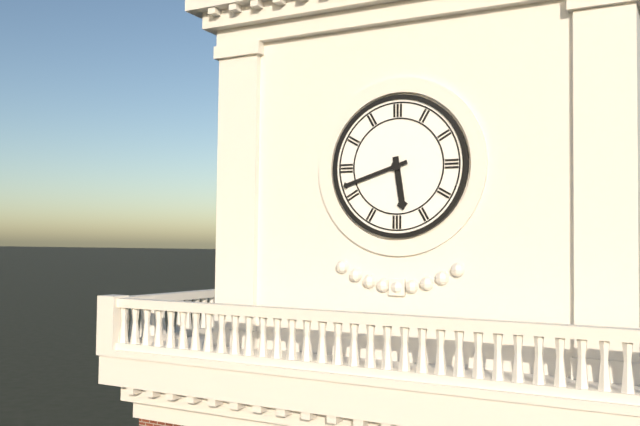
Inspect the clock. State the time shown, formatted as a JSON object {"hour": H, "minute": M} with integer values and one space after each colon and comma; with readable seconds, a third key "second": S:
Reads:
{"hour": 5, "minute": 42}
